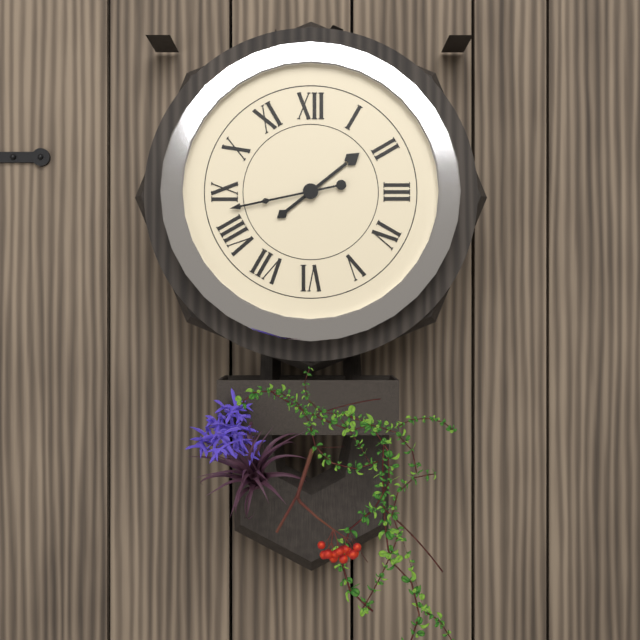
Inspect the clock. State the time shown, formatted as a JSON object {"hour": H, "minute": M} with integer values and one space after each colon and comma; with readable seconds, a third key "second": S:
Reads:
{"hour": 1, "minute": 43}
